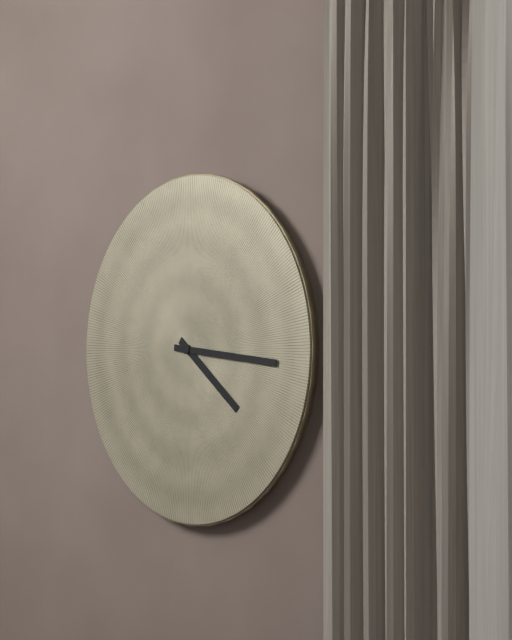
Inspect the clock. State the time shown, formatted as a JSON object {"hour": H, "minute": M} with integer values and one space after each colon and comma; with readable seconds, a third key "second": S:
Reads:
{"hour": 4, "minute": 16}
